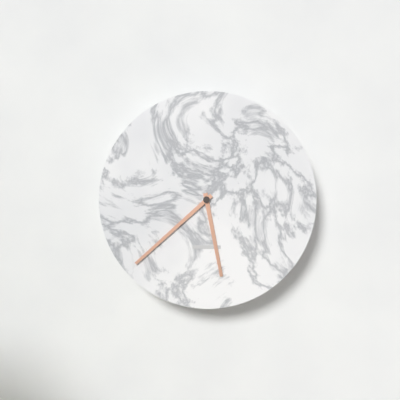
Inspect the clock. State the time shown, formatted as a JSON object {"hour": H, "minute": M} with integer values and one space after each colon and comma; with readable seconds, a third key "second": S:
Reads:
{"hour": 5, "minute": 38}
